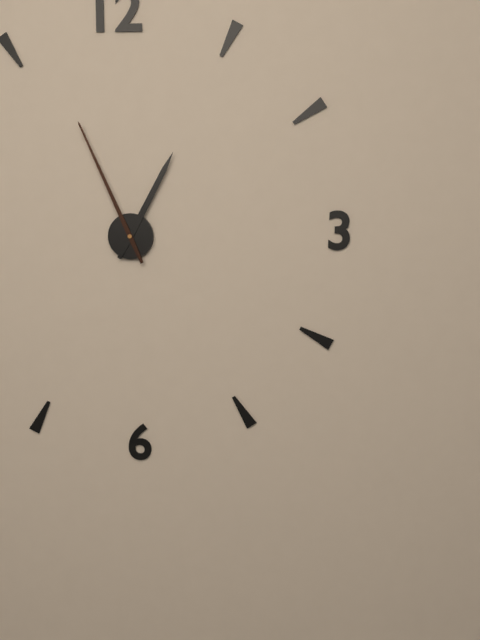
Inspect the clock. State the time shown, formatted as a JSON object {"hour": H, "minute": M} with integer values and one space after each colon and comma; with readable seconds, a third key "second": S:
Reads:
{"hour": 12, "minute": 56}
